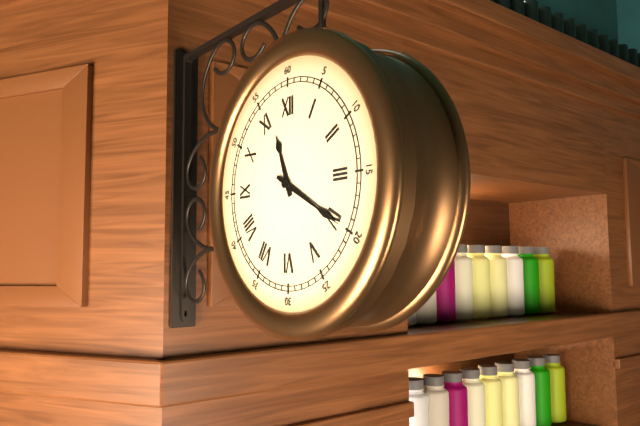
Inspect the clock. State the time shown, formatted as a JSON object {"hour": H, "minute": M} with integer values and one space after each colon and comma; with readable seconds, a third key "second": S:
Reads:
{"hour": 11, "minute": 20}
